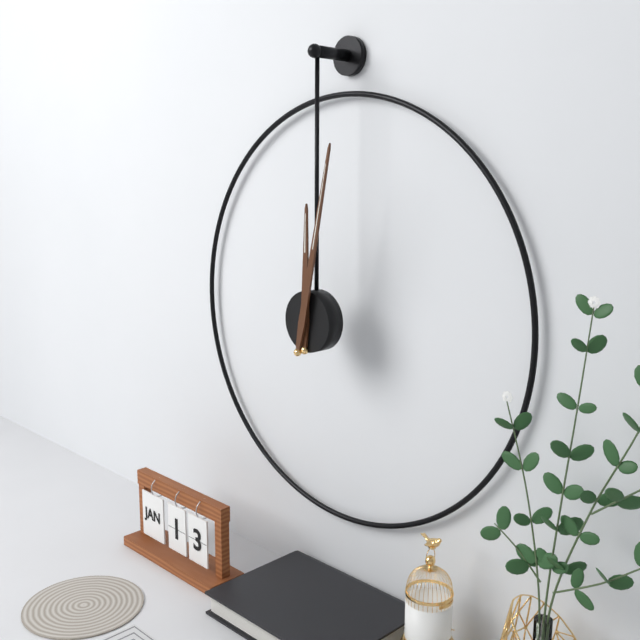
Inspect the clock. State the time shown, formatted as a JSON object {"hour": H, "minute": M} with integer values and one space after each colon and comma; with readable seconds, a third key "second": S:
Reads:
{"hour": 12, "minute": 2}
